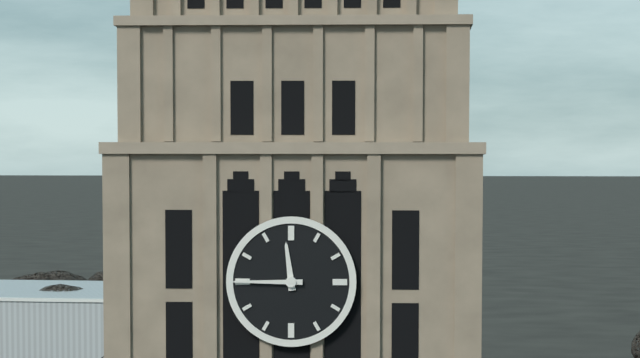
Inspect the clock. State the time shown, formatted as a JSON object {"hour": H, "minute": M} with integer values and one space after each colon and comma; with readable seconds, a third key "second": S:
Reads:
{"hour": 11, "minute": 45}
